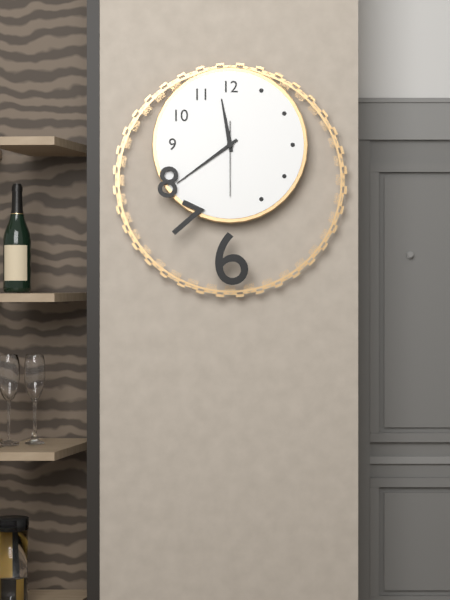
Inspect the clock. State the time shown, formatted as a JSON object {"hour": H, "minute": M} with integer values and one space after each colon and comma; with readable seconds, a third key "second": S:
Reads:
{"hour": 11, "minute": 39, "second": 30}
